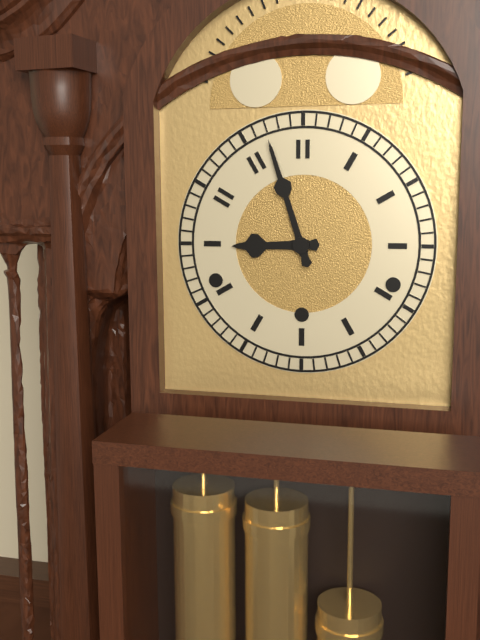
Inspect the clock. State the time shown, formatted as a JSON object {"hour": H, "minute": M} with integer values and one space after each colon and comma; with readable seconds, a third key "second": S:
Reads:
{"hour": 8, "minute": 57}
